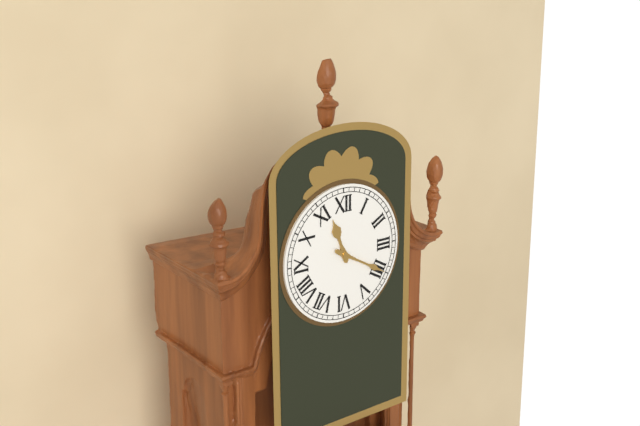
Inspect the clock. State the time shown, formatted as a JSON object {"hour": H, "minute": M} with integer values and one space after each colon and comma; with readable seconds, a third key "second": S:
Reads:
{"hour": 11, "minute": 20}
